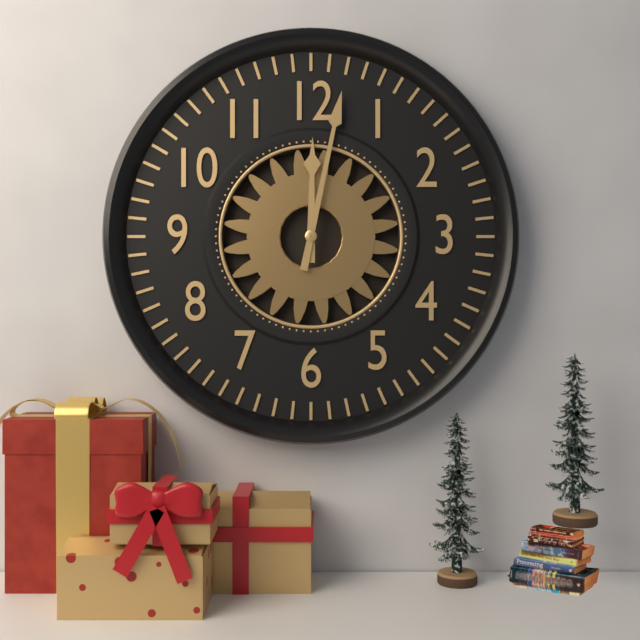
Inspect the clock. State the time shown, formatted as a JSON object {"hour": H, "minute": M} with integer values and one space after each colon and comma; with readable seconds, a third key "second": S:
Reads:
{"hour": 12, "minute": 2}
